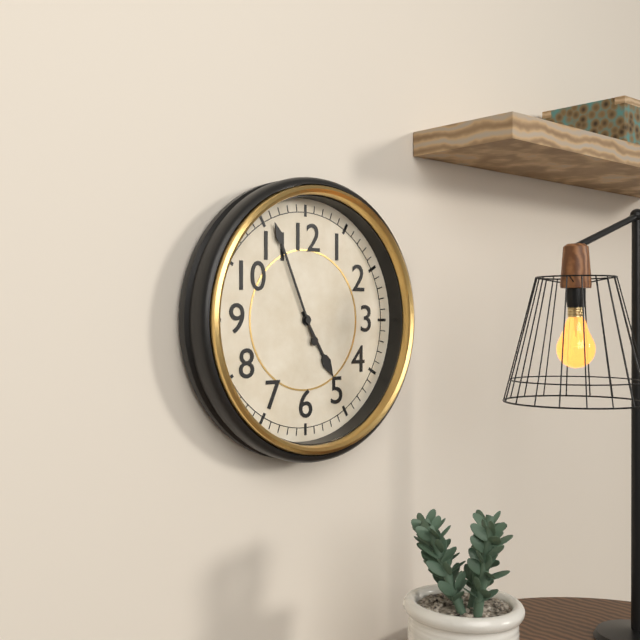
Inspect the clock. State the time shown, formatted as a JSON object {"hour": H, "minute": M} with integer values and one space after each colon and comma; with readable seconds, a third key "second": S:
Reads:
{"hour": 4, "minute": 56}
